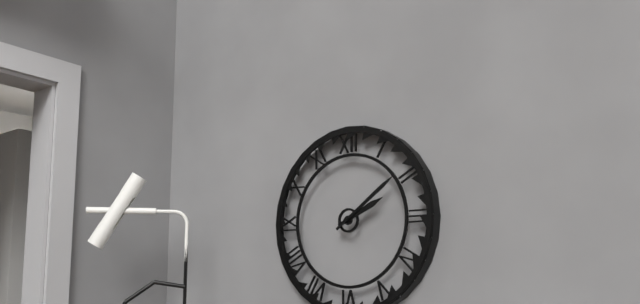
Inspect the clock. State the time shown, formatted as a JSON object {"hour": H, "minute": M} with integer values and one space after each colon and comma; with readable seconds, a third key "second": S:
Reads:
{"hour": 2, "minute": 9}
